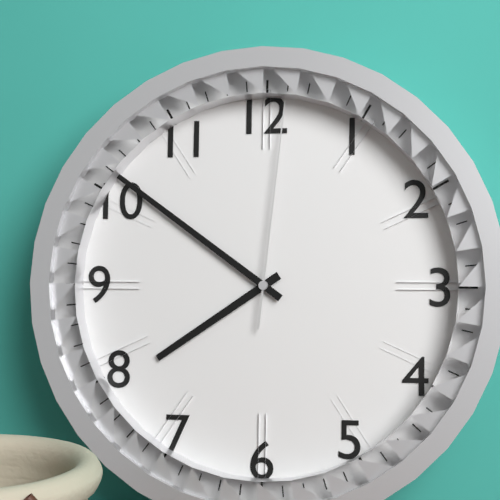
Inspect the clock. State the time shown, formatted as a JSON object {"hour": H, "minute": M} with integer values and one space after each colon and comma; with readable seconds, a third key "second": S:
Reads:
{"hour": 7, "minute": 51, "second": 1}
